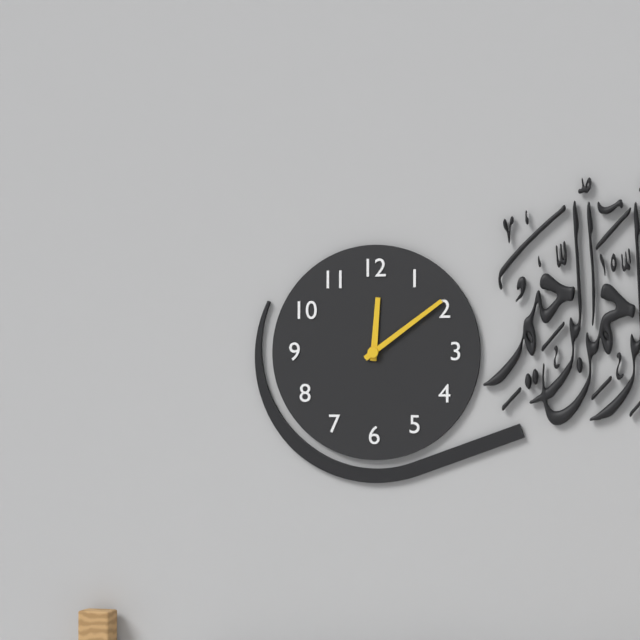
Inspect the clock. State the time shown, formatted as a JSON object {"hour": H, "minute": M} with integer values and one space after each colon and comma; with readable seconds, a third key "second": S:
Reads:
{"hour": 12, "minute": 9}
